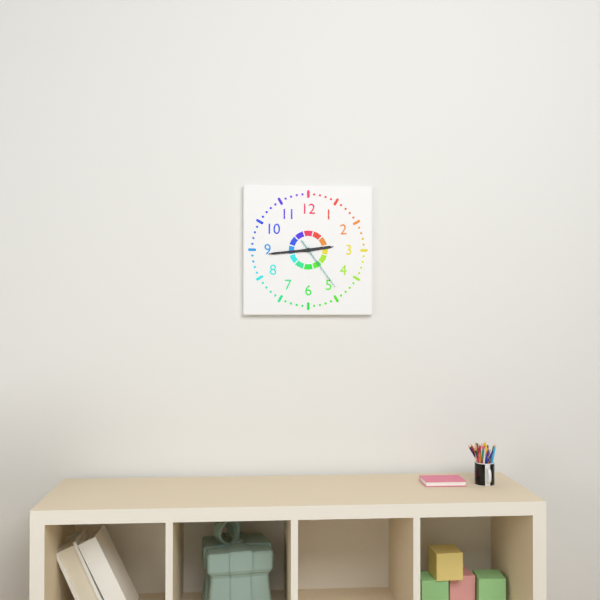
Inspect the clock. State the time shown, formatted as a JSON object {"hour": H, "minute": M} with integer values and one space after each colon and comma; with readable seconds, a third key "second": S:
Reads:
{"hour": 2, "minute": 44, "second": 24}
